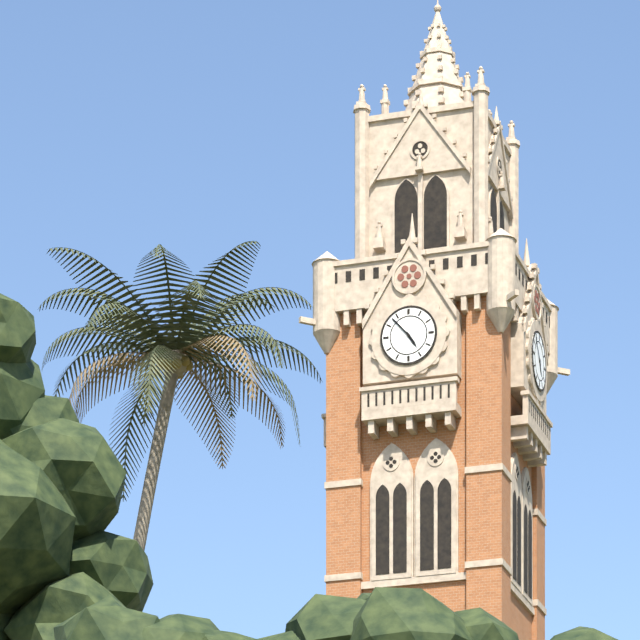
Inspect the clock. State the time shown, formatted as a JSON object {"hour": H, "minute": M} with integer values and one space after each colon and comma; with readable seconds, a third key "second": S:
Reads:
{"hour": 4, "minute": 53}
